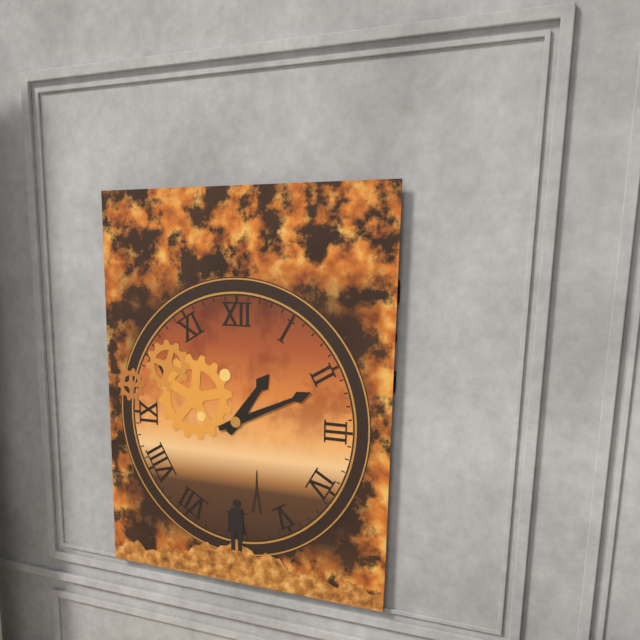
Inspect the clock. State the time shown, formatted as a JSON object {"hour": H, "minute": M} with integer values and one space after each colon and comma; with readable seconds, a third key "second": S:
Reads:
{"hour": 1, "minute": 11}
